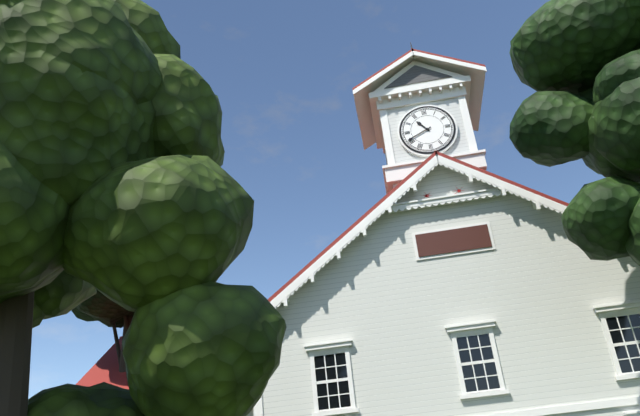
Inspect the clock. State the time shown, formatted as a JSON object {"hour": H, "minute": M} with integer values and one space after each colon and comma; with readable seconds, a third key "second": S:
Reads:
{"hour": 10, "minute": 41}
